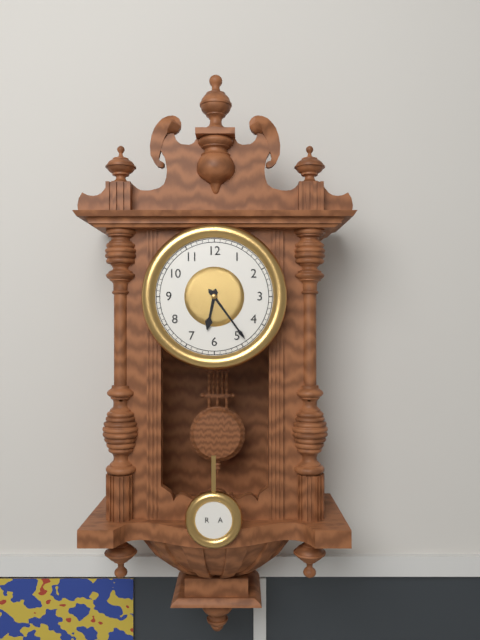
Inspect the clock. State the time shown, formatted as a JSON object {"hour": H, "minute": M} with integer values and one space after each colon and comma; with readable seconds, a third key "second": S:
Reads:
{"hour": 6, "minute": 24}
